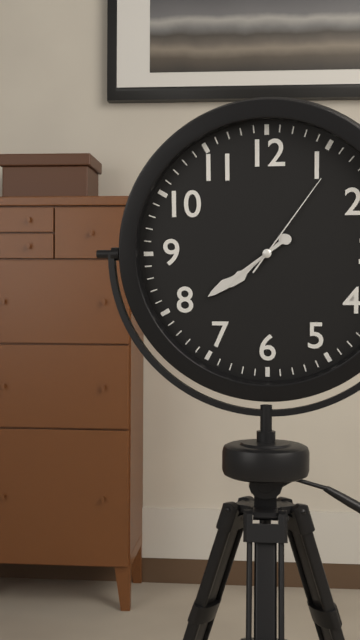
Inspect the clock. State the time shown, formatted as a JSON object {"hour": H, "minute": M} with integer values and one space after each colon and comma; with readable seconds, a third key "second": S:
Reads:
{"hour": 7, "minute": 39, "second": 6}
